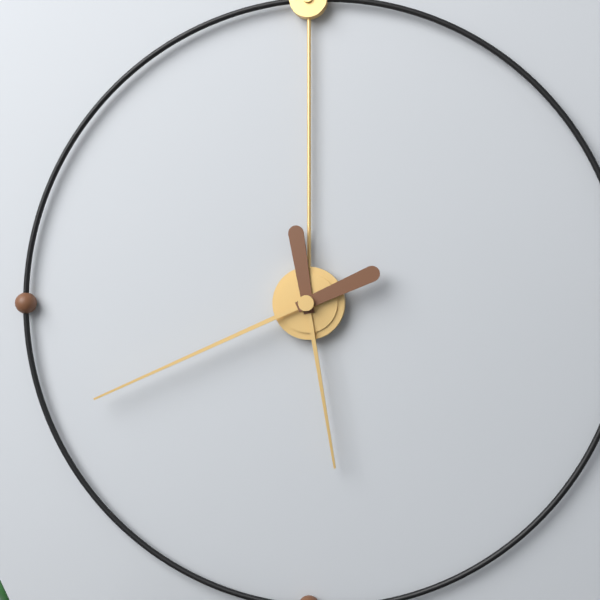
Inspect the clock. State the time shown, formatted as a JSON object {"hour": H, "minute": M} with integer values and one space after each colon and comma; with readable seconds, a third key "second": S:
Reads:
{"hour": 5, "minute": 41}
